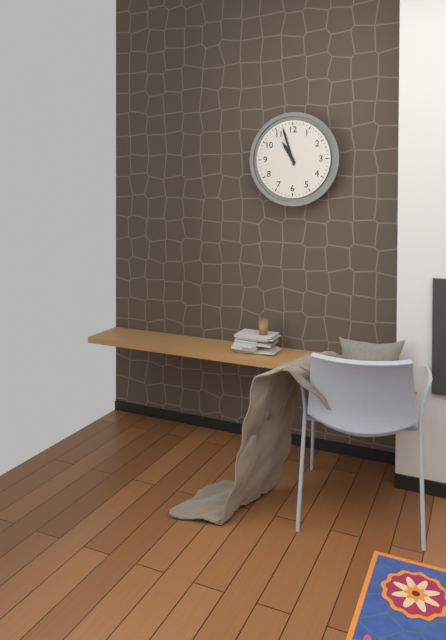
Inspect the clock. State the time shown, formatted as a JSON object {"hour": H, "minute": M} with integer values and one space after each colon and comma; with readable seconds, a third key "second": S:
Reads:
{"hour": 10, "minute": 57}
